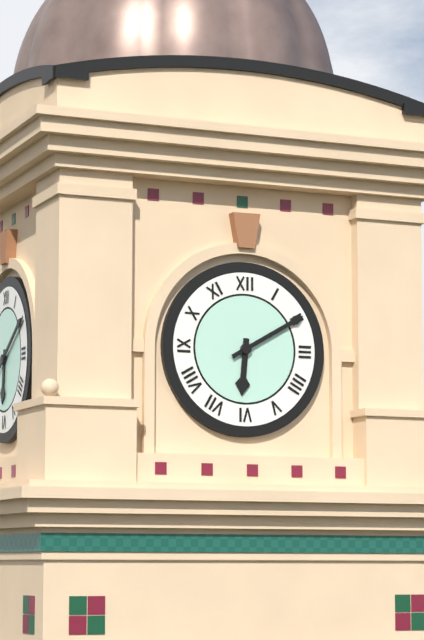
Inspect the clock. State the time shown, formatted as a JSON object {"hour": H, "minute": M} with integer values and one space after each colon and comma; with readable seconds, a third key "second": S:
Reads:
{"hour": 6, "minute": 10}
